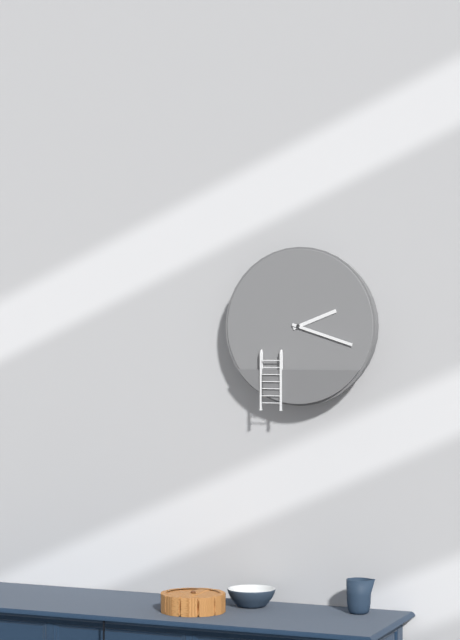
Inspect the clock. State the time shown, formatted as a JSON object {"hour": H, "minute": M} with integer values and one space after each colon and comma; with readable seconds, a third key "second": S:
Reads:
{"hour": 2, "minute": 18}
